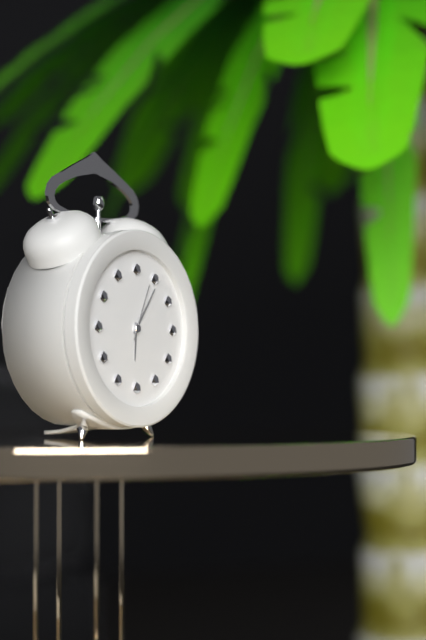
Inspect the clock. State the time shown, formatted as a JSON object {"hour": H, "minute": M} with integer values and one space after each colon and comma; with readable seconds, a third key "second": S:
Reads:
{"hour": 6, "minute": 6, "second": 4}
